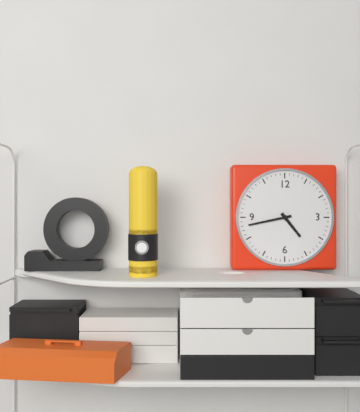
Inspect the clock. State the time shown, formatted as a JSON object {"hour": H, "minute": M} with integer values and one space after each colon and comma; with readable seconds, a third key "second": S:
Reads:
{"hour": 4, "minute": 43}
